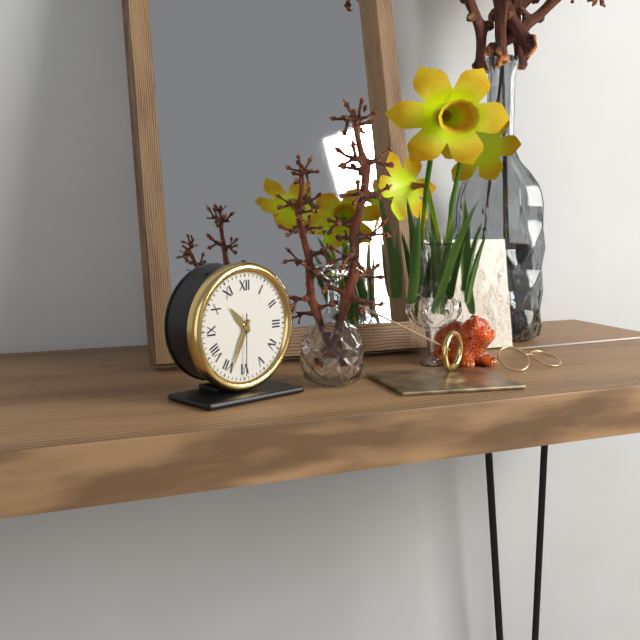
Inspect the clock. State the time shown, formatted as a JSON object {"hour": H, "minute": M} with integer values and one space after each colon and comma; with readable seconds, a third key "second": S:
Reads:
{"hour": 10, "minute": 34, "second": 30}
